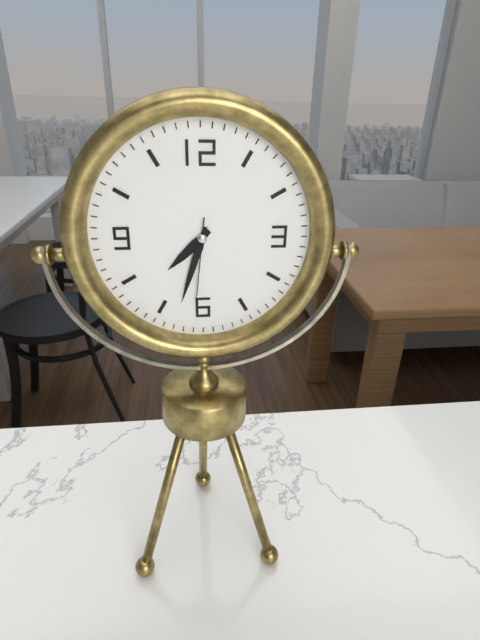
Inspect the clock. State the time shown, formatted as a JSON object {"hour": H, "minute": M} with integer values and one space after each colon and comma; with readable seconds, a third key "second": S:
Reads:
{"hour": 7, "minute": 33, "second": 31}
